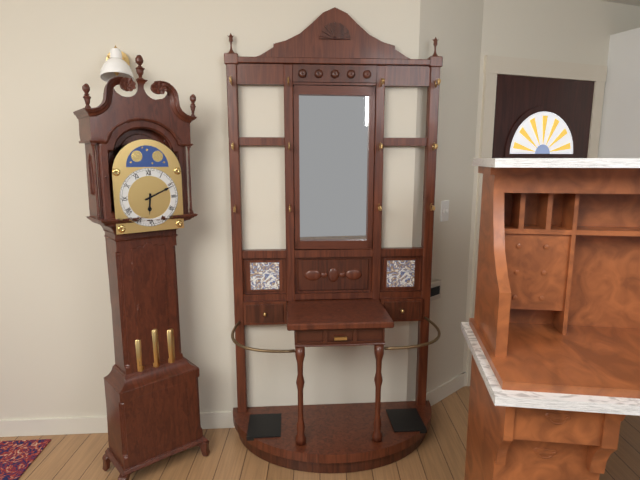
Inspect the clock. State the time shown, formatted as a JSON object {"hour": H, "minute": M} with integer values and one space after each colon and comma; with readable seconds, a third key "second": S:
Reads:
{"hour": 6, "minute": 11}
